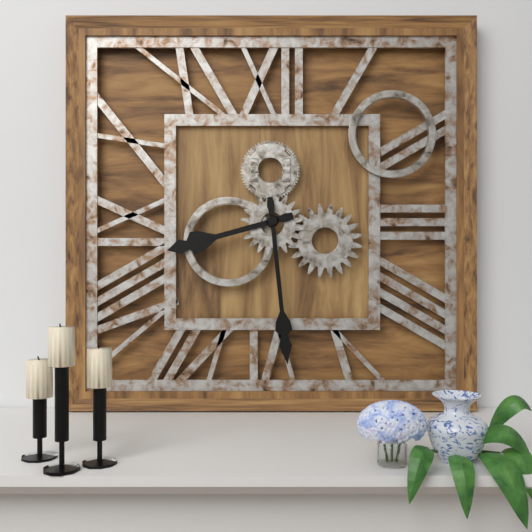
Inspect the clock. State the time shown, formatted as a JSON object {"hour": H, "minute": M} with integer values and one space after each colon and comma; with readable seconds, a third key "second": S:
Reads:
{"hour": 8, "minute": 29}
